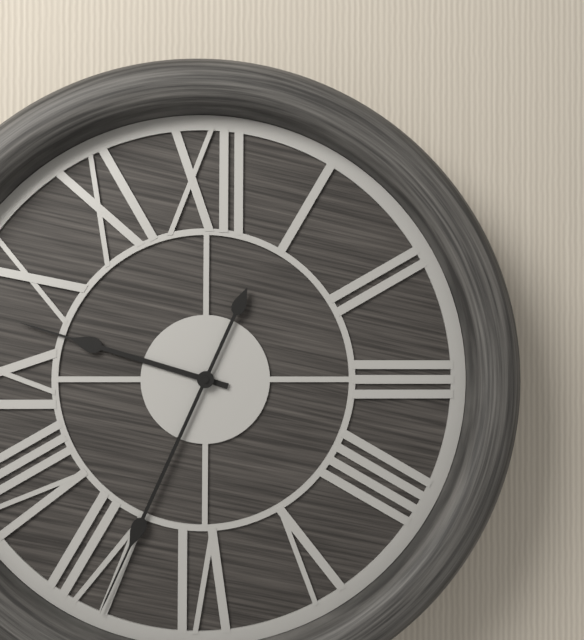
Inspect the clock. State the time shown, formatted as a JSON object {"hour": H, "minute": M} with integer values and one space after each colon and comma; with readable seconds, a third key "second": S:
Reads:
{"hour": 9, "minute": 34}
